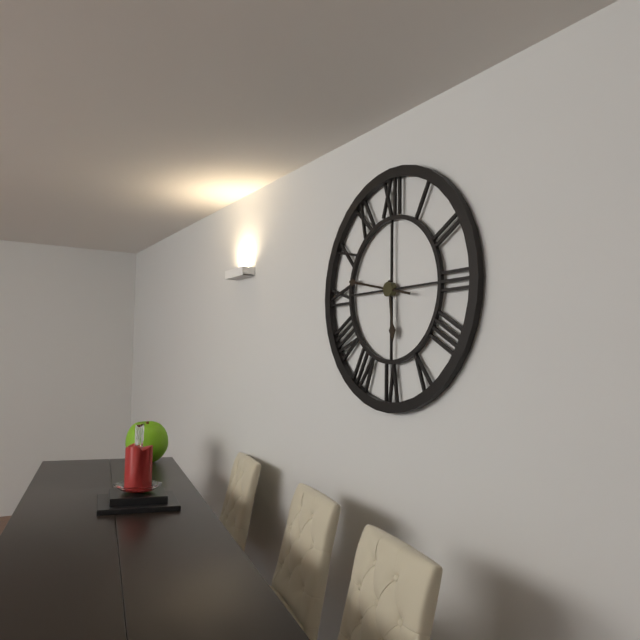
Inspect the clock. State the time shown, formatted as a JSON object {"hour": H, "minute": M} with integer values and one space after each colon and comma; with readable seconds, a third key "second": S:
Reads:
{"hour": 5, "minute": 47}
